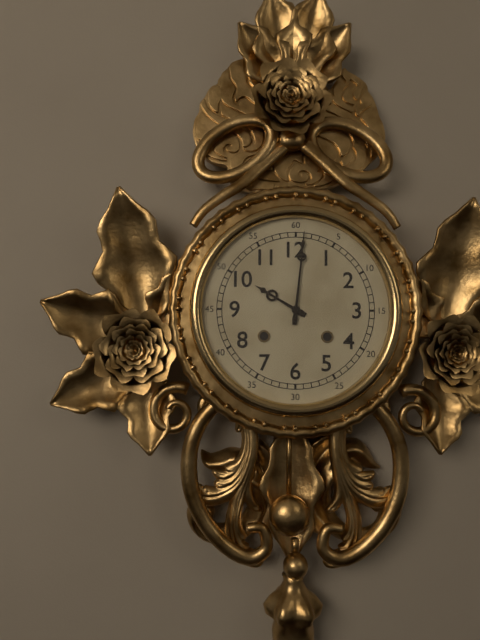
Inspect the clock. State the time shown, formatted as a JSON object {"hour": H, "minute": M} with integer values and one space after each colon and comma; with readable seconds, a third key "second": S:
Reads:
{"hour": 10, "minute": 1}
